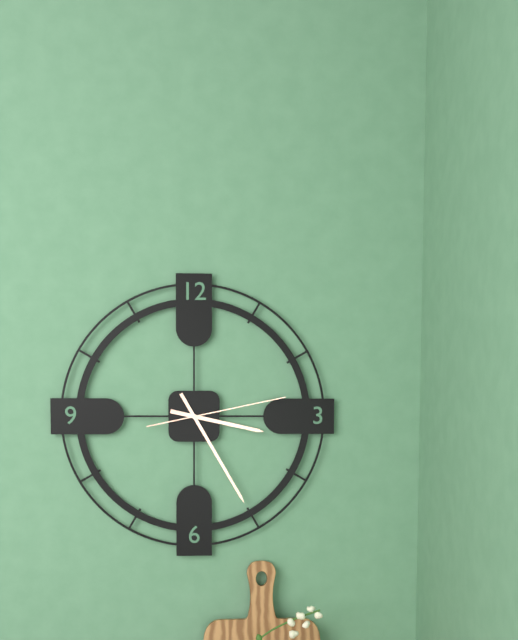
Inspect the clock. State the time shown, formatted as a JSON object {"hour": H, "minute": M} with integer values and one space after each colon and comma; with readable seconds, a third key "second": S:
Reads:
{"hour": 3, "minute": 25, "second": 13}
